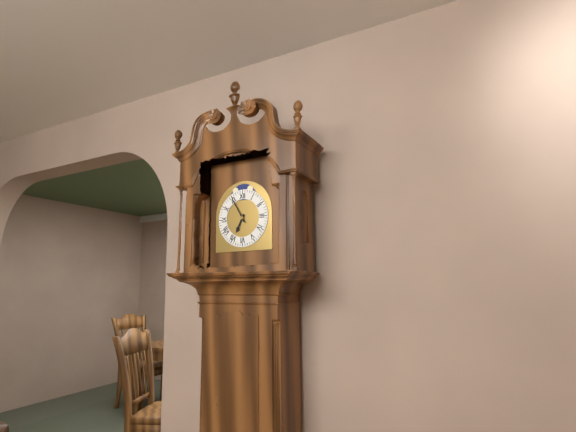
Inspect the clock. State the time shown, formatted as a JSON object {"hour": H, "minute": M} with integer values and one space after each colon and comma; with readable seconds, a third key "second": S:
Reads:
{"hour": 6, "minute": 55}
